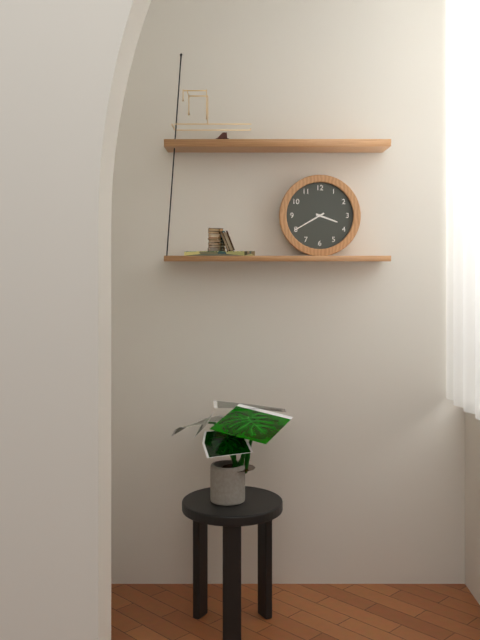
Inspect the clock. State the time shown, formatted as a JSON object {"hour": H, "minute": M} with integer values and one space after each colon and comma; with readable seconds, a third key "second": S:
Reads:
{"hour": 3, "minute": 40}
